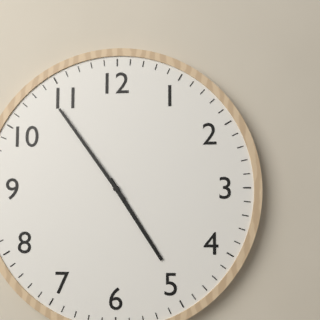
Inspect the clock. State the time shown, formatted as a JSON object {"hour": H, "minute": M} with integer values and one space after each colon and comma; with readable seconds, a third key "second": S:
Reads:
{"hour": 4, "minute": 54}
